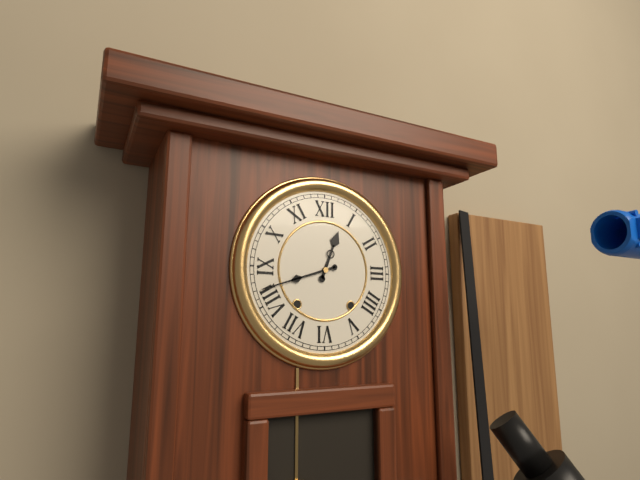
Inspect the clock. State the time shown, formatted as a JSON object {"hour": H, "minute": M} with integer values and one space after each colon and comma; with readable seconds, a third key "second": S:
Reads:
{"hour": 12, "minute": 42}
